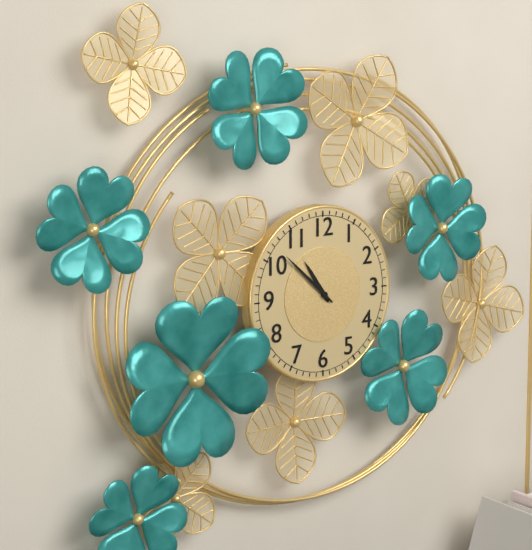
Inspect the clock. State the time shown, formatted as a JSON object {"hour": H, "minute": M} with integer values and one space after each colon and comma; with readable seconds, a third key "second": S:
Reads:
{"hour": 10, "minute": 52}
